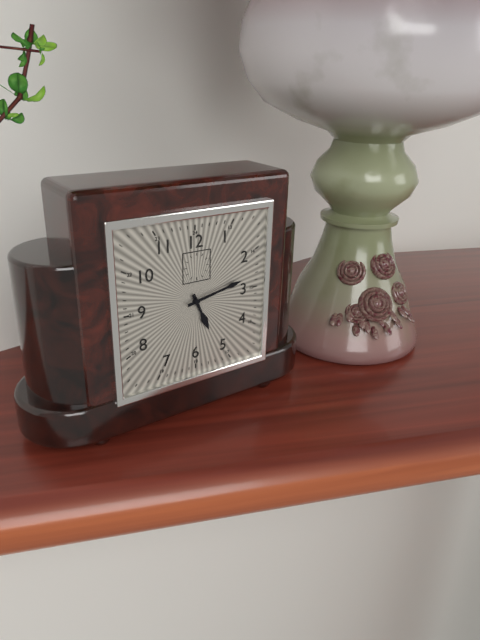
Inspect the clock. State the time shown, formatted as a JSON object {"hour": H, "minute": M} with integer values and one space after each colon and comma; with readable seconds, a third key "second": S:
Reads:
{"hour": 5, "minute": 13}
